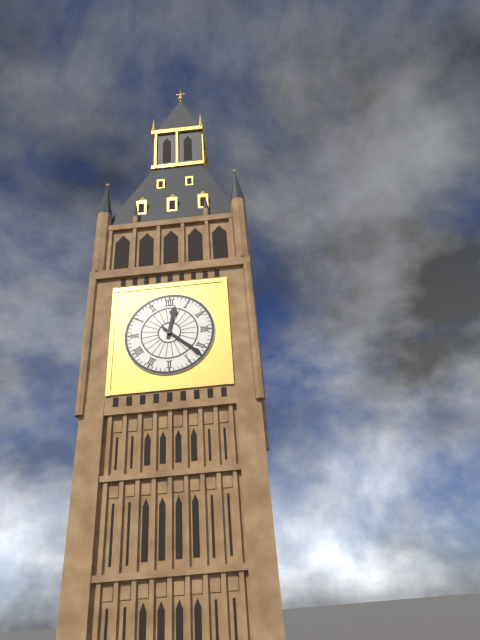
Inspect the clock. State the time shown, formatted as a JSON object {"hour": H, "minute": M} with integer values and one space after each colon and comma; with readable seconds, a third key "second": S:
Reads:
{"hour": 12, "minute": 22}
